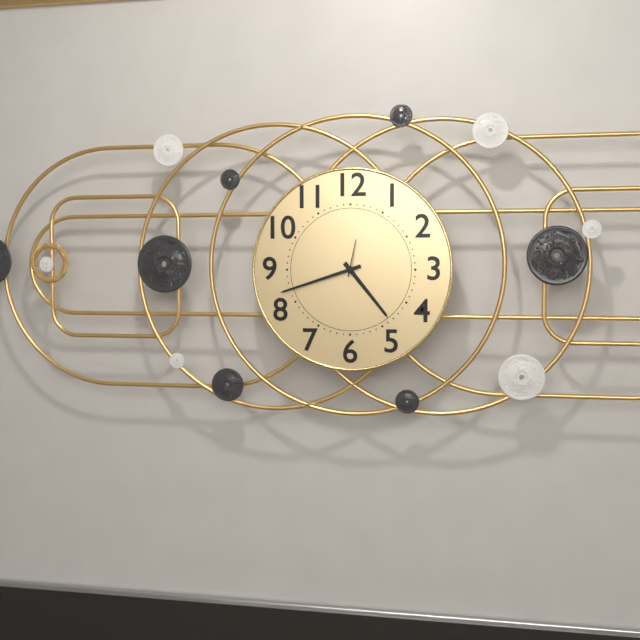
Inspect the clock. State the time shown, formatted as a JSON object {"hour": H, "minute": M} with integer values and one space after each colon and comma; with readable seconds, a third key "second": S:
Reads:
{"hour": 4, "minute": 42}
